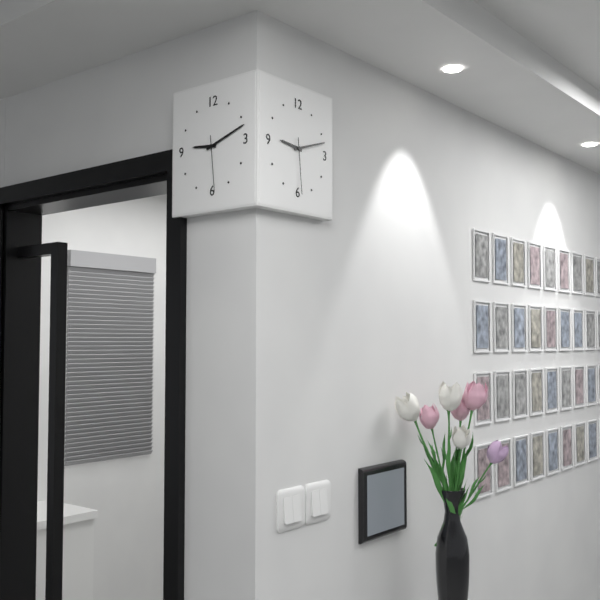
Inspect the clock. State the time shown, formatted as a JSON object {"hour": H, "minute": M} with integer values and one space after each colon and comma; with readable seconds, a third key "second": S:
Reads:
{"hour": 9, "minute": 12, "second": 29}
